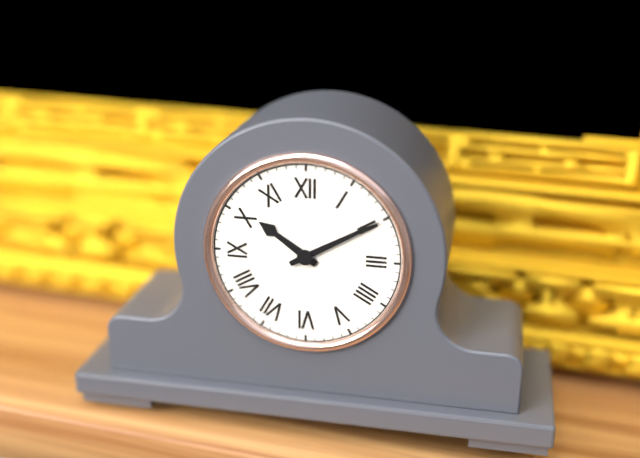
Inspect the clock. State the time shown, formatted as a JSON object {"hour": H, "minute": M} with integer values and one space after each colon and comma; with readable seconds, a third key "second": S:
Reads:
{"hour": 10, "minute": 10}
